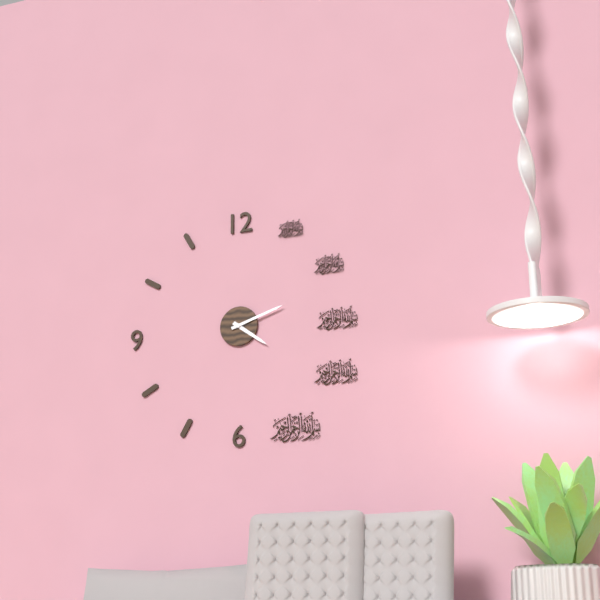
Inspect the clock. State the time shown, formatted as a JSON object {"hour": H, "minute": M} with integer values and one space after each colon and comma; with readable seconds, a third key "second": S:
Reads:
{"hour": 4, "minute": 12}
